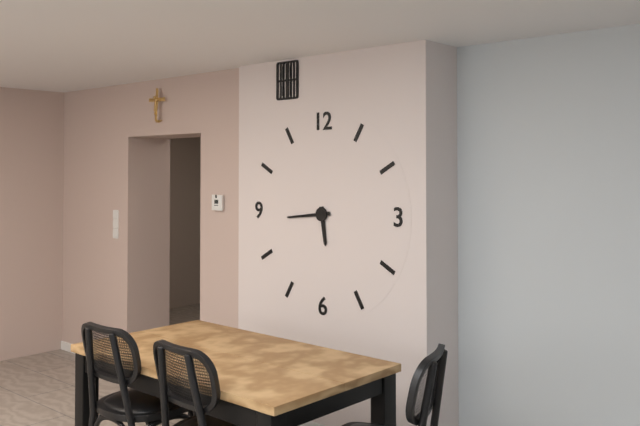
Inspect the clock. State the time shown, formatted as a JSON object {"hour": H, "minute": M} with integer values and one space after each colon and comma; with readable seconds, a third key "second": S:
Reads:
{"hour": 5, "minute": 44}
